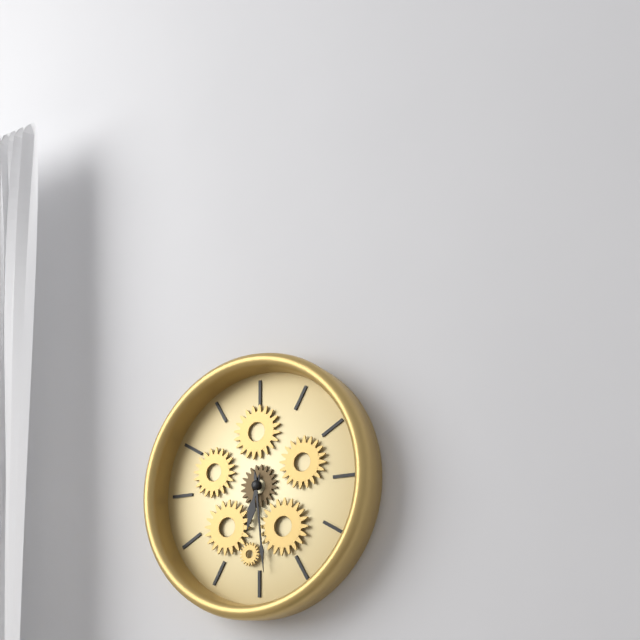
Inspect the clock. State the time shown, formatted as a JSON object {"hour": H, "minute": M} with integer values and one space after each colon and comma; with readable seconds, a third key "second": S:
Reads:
{"hour": 6, "minute": 29}
